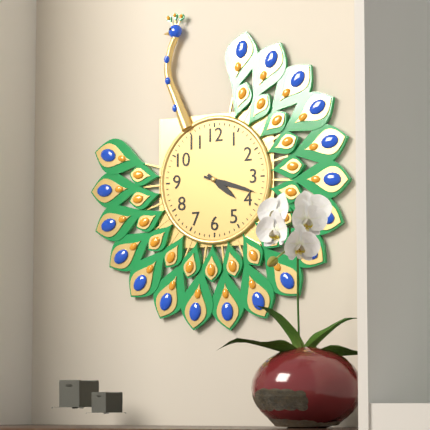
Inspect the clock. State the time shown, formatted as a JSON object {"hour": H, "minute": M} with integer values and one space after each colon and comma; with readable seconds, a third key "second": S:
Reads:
{"hour": 4, "minute": 18}
